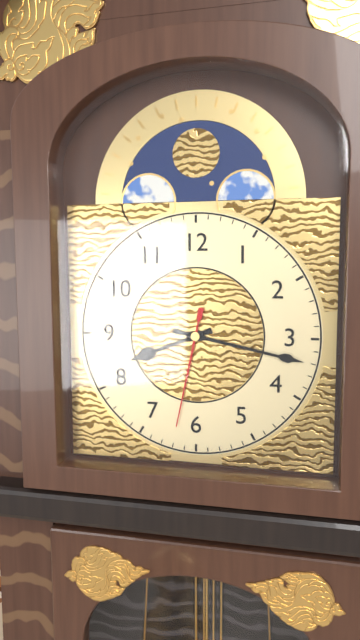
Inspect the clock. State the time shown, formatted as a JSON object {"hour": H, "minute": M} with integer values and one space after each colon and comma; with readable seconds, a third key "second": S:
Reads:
{"hour": 8, "minute": 17, "second": 32}
